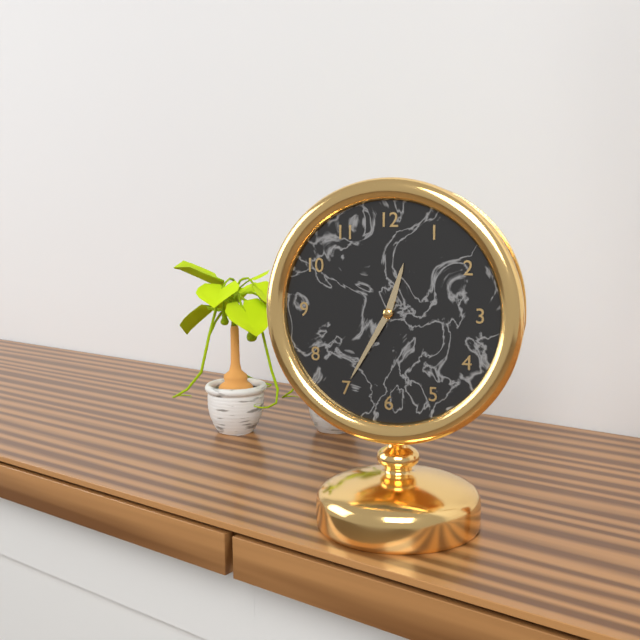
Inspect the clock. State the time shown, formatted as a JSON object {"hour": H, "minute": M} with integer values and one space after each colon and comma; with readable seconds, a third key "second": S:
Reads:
{"hour": 12, "minute": 35}
